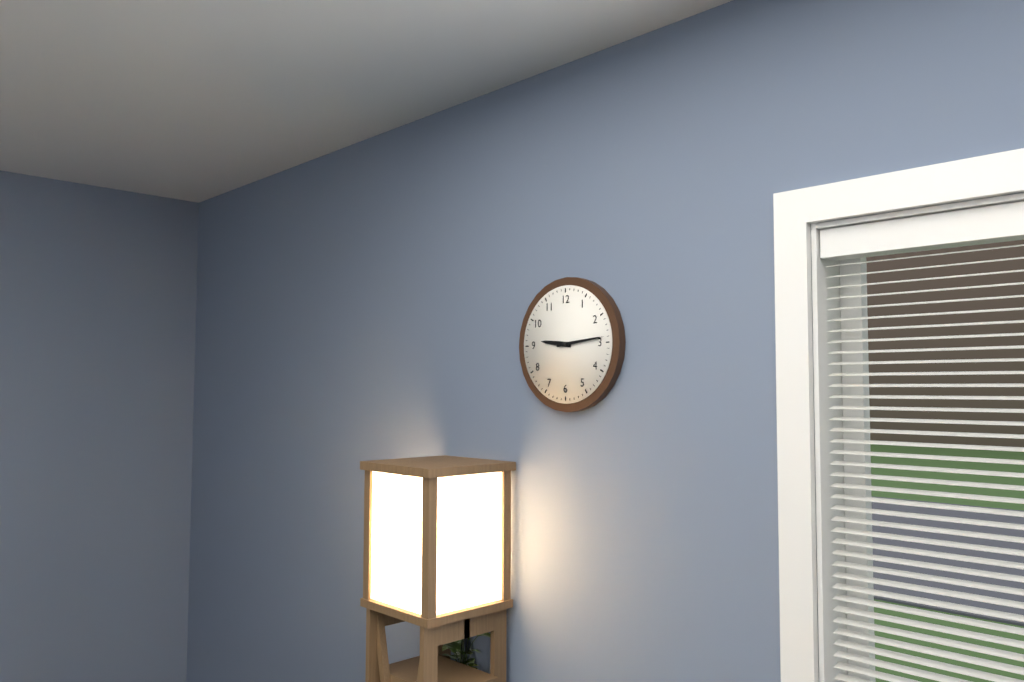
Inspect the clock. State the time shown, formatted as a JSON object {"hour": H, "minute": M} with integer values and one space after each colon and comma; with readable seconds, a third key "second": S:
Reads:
{"hour": 9, "minute": 14}
